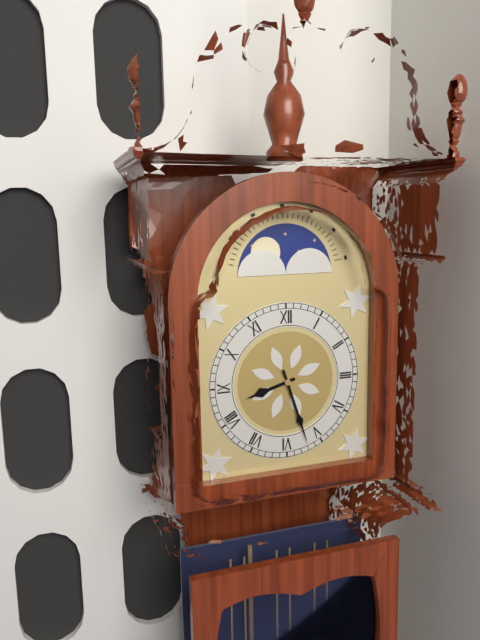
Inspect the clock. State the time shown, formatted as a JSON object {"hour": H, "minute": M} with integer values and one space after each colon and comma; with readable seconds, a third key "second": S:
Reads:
{"hour": 8, "minute": 27}
